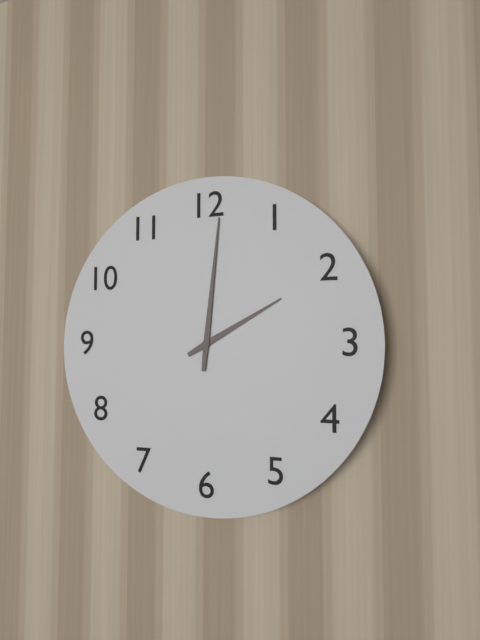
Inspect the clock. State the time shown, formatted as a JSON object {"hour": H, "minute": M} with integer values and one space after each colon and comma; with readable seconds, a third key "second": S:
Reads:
{"hour": 2, "minute": 1}
